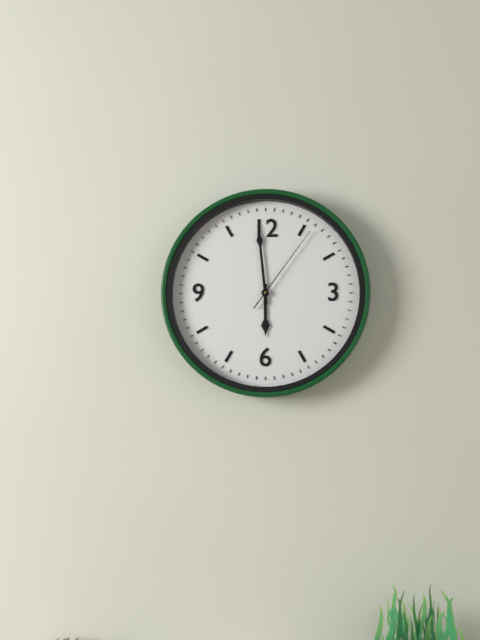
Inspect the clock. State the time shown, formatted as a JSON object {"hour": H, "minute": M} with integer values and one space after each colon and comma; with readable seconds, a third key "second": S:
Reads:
{"hour": 5, "minute": 59, "second": 6}
